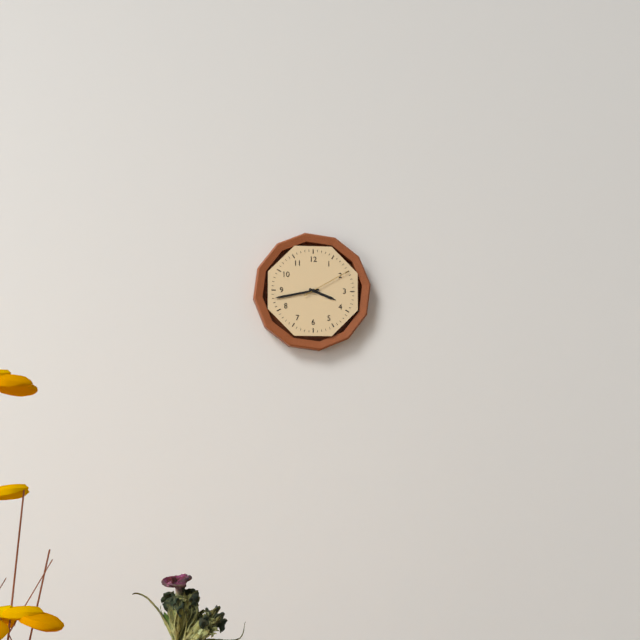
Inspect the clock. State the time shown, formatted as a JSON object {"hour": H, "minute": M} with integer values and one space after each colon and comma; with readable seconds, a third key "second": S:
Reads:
{"hour": 3, "minute": 43}
